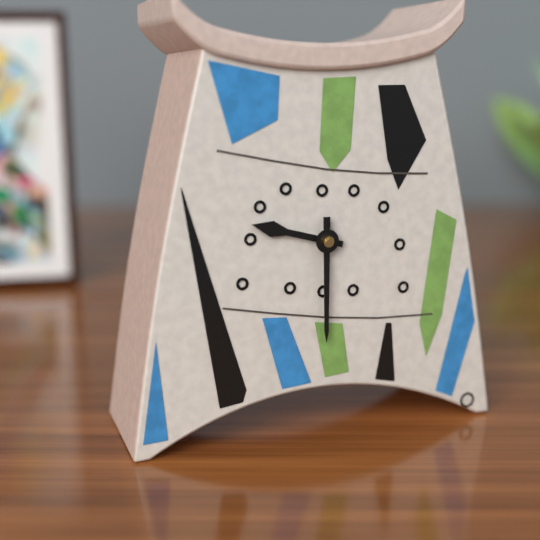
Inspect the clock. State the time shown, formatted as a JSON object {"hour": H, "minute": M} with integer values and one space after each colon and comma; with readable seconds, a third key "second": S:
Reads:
{"hour": 9, "minute": 30}
